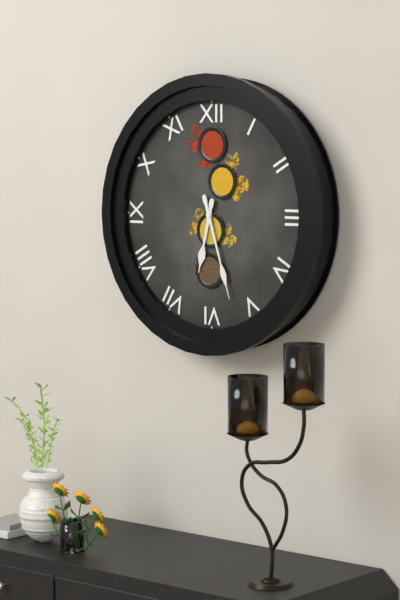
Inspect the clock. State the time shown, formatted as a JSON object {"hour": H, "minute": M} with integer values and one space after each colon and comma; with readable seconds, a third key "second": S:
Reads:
{"hour": 6, "minute": 27}
